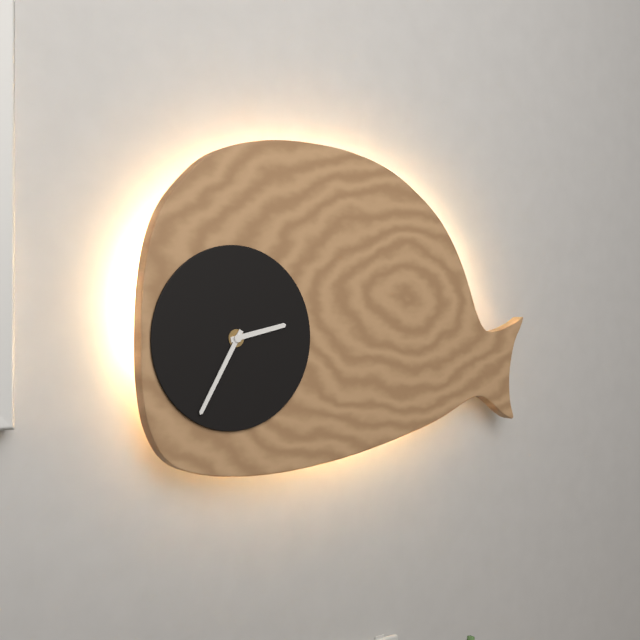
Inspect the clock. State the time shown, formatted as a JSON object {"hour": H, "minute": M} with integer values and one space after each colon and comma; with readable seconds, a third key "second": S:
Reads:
{"hour": 2, "minute": 35}
